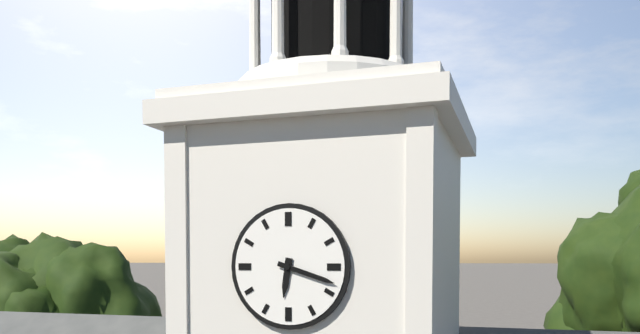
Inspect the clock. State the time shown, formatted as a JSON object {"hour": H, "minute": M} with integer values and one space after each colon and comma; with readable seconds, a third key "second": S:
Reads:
{"hour": 6, "minute": 18}
